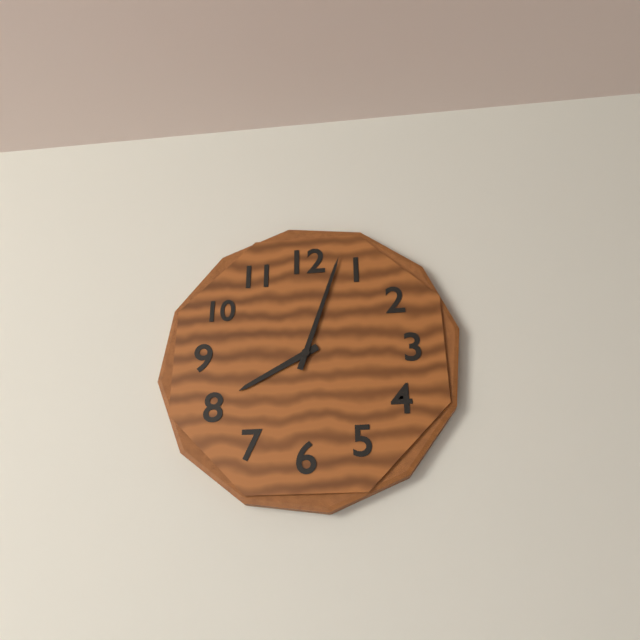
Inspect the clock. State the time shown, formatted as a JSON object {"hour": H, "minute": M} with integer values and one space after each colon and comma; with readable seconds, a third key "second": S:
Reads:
{"hour": 8, "minute": 3}
